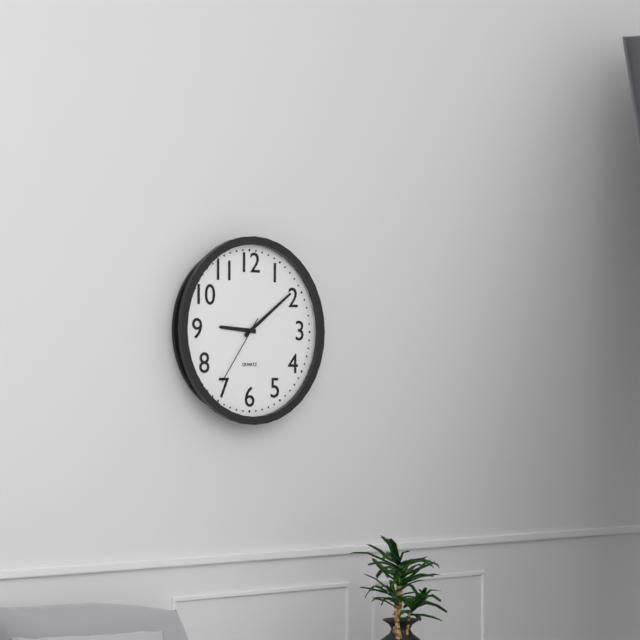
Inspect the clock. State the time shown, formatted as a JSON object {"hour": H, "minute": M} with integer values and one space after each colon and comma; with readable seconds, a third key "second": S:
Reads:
{"hour": 9, "minute": 9, "second": 36}
